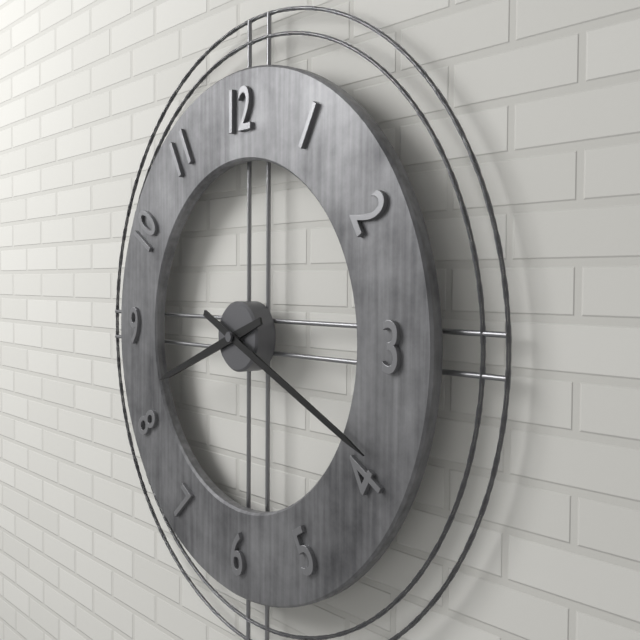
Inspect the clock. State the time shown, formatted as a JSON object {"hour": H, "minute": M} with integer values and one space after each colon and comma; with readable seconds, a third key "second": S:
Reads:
{"hour": 8, "minute": 19}
